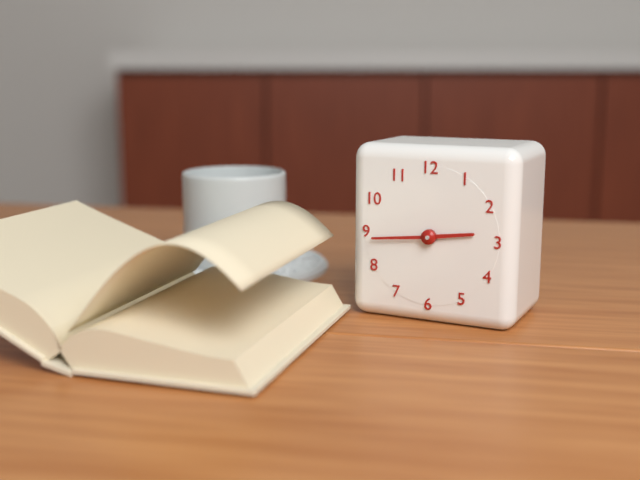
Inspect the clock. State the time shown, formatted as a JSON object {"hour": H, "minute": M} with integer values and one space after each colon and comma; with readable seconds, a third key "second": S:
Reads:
{"hour": 2, "minute": 44}
